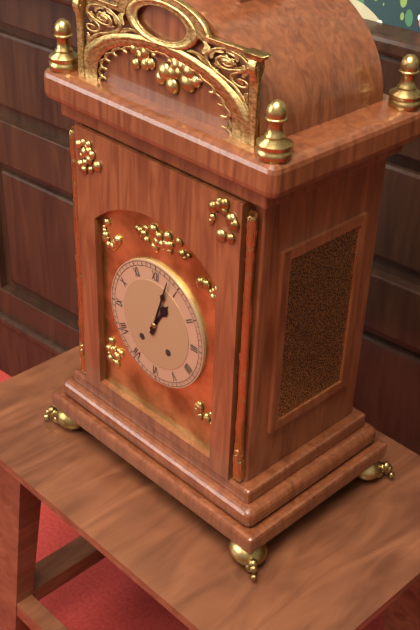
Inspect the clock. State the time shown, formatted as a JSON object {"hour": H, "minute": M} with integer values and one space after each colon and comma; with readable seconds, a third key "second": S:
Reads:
{"hour": 1, "minute": 3}
